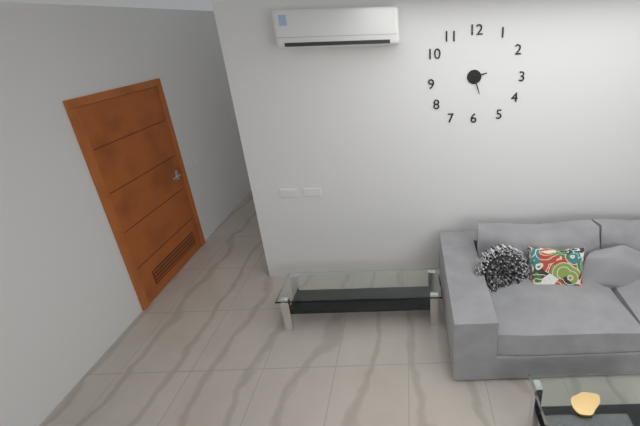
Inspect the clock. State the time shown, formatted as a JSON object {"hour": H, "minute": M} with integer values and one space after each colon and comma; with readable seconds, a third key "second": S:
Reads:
{"hour": 2, "minute": 27}
